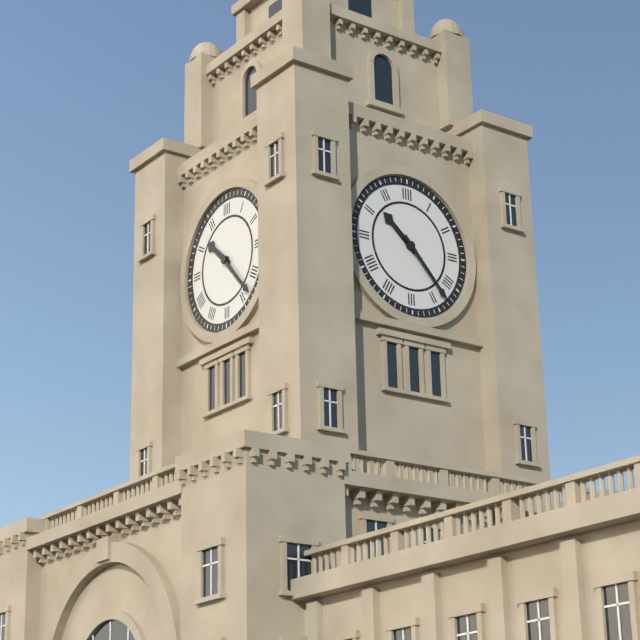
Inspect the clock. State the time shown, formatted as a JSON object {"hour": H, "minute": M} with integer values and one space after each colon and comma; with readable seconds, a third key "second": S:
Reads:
{"hour": 10, "minute": 23}
